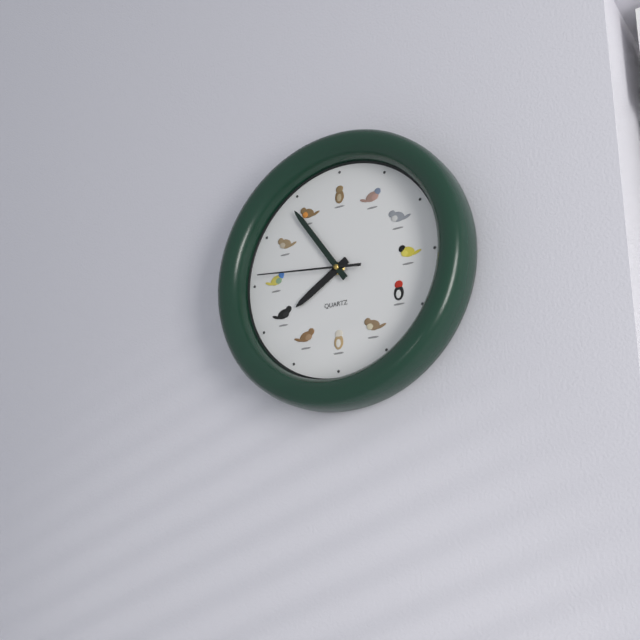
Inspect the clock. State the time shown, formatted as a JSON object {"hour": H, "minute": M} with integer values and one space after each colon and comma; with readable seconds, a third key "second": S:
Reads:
{"hour": 7, "minute": 54, "second": 46}
